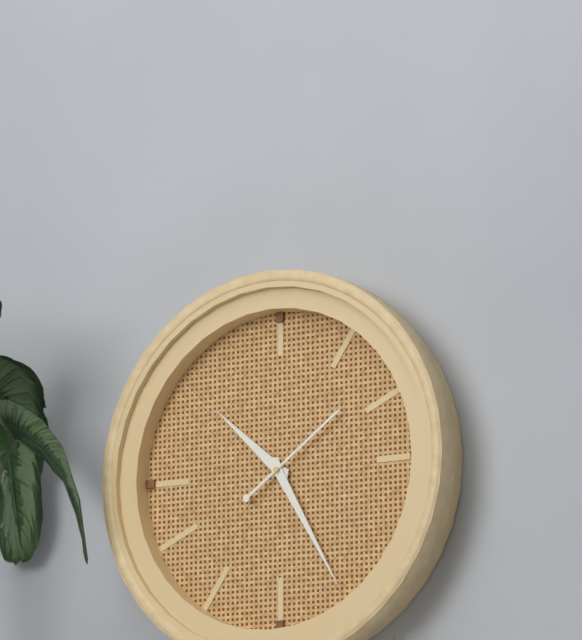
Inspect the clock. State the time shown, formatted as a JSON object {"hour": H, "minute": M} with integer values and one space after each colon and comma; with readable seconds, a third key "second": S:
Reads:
{"hour": 10, "minute": 25, "second": 9}
